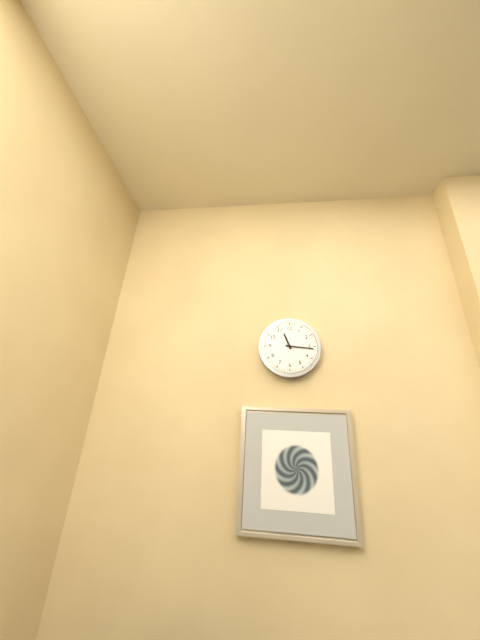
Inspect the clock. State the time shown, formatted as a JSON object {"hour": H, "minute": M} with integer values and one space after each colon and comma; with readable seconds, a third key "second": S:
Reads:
{"hour": 11, "minute": 16}
